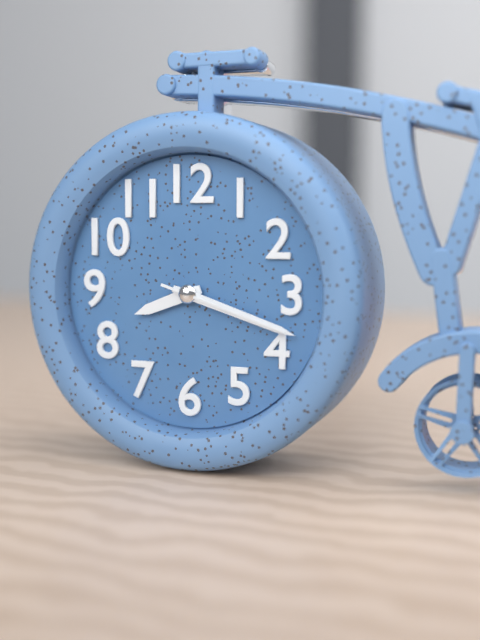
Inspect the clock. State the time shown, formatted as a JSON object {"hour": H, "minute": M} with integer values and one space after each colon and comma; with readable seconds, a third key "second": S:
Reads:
{"hour": 8, "minute": 18, "second": 18}
